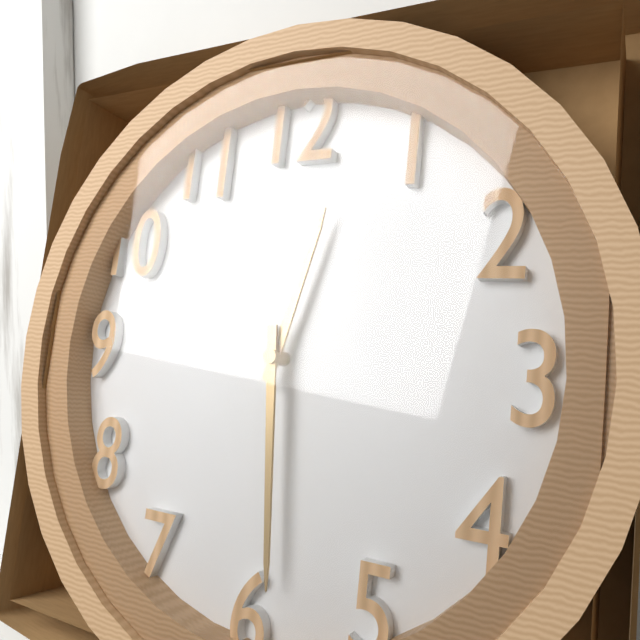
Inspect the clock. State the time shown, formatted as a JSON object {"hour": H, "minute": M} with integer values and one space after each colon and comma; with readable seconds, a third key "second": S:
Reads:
{"hour": 12, "minute": 29}
